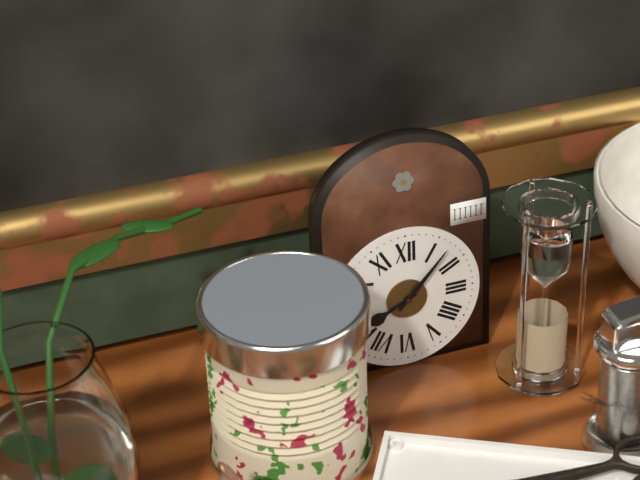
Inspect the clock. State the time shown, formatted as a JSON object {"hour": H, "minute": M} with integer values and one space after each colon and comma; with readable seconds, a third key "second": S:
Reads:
{"hour": 8, "minute": 7}
